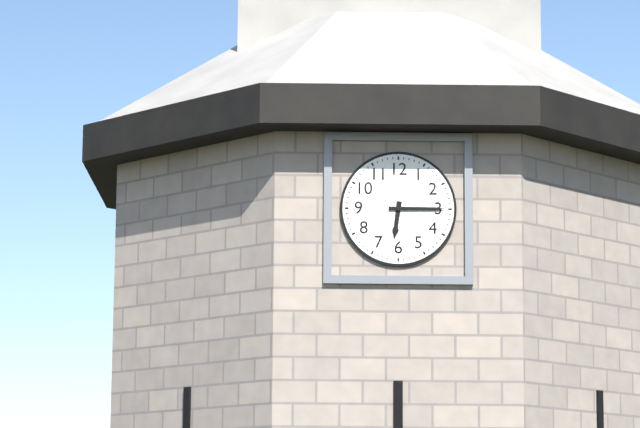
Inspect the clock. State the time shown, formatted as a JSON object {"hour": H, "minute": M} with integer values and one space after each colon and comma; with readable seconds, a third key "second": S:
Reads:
{"hour": 6, "minute": 15}
